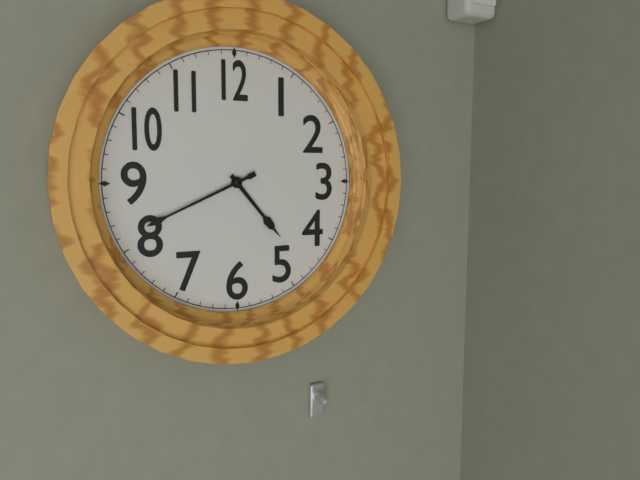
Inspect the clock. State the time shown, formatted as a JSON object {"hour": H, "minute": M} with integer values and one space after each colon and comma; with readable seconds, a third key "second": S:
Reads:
{"hour": 4, "minute": 41}
